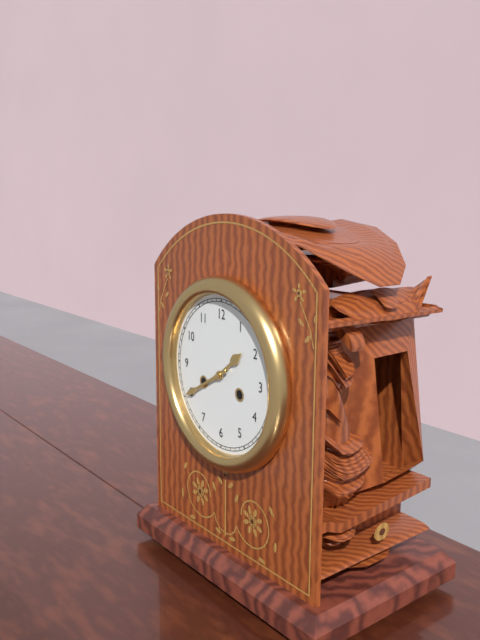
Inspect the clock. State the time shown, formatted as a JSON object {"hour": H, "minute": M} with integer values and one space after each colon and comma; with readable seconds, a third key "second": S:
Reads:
{"hour": 1, "minute": 40}
